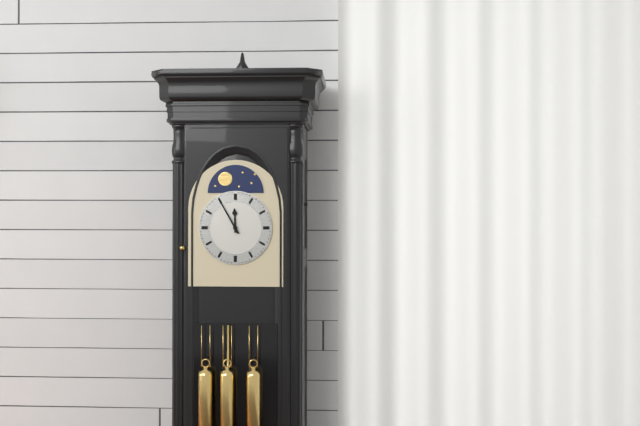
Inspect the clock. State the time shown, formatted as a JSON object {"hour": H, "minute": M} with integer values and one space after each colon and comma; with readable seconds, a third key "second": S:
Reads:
{"hour": 11, "minute": 55}
